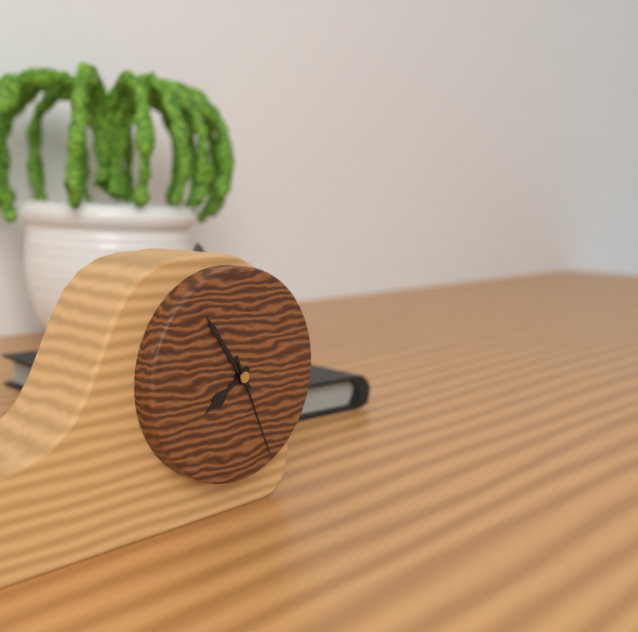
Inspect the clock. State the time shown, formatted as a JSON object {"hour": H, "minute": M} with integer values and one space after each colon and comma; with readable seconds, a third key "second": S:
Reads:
{"hour": 7, "minute": 54, "second": 26}
